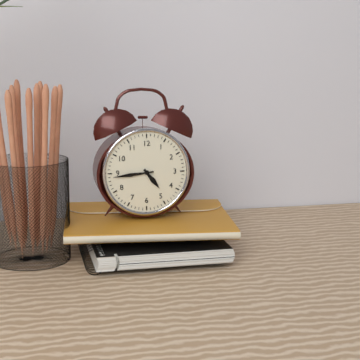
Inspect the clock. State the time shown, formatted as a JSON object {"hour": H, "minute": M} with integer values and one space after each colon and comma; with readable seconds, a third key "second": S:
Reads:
{"hour": 4, "minute": 44}
